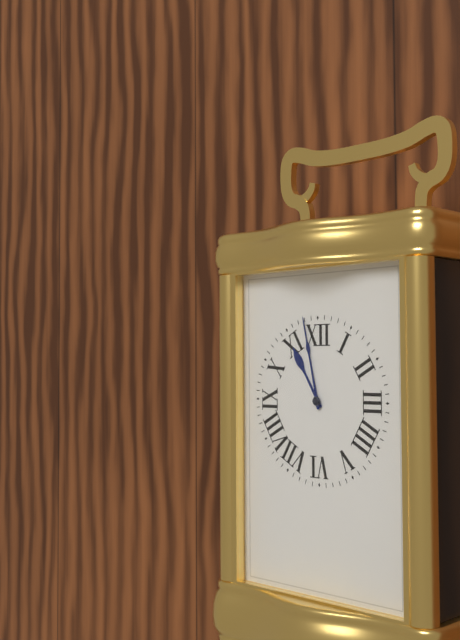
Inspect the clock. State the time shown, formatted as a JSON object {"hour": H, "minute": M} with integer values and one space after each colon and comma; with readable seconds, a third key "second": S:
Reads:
{"hour": 10, "minute": 58}
